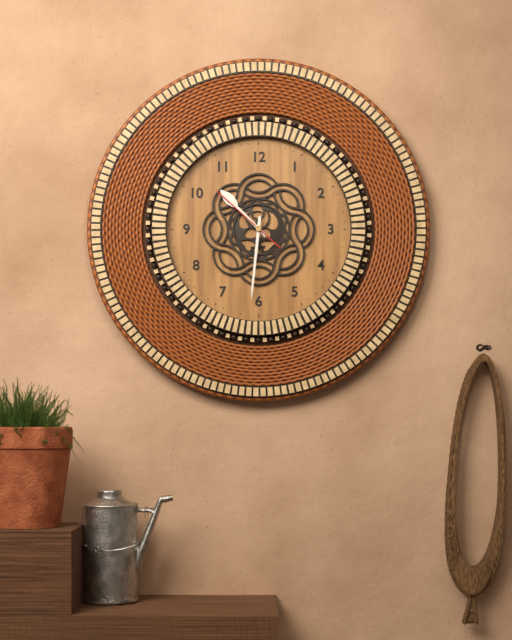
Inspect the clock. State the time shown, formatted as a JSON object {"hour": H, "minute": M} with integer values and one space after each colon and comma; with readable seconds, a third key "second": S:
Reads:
{"hour": 10, "minute": 31, "second": 52}
